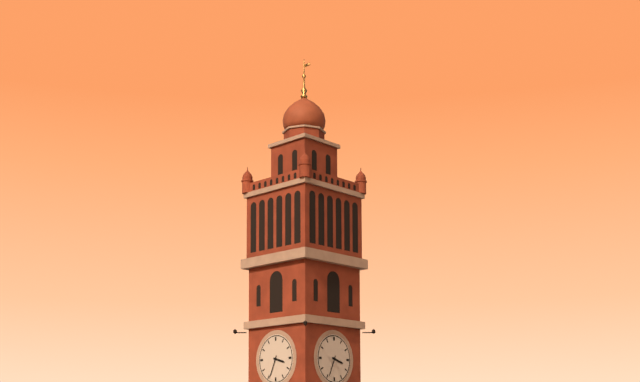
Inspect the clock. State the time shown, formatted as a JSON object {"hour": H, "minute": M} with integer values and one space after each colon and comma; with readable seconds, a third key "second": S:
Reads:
{"hour": 3, "minute": 34}
